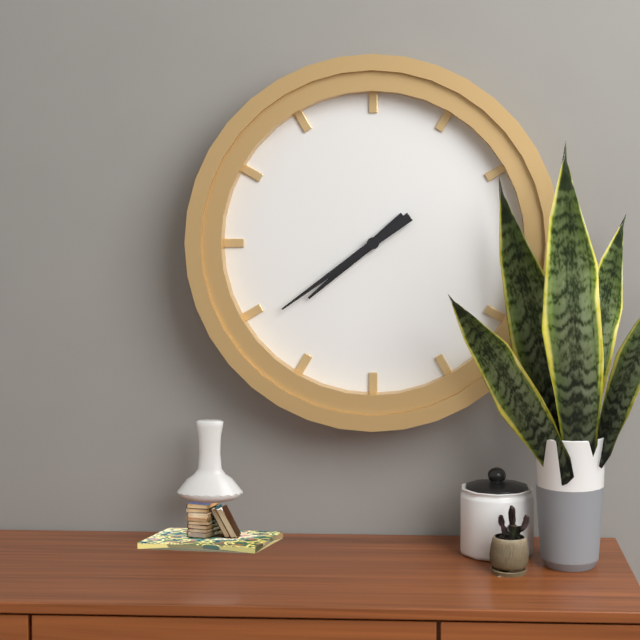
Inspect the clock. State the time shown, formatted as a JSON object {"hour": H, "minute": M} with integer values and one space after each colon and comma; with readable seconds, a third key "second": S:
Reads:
{"hour": 7, "minute": 39}
